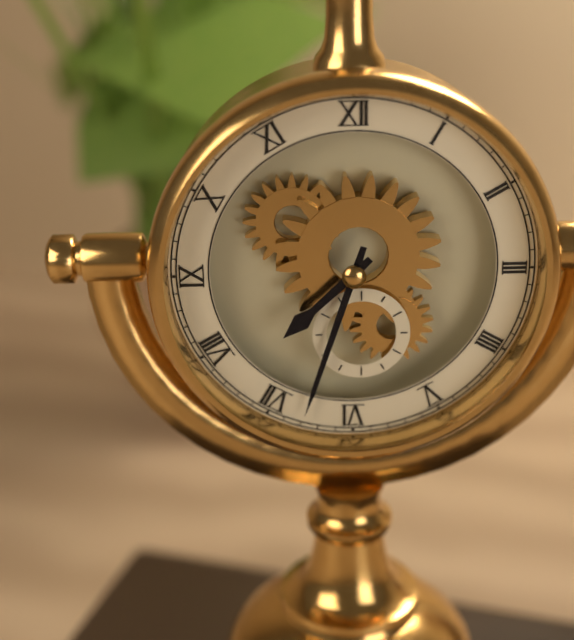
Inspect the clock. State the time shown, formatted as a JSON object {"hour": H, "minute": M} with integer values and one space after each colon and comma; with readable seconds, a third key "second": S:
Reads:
{"hour": 7, "minute": 33}
